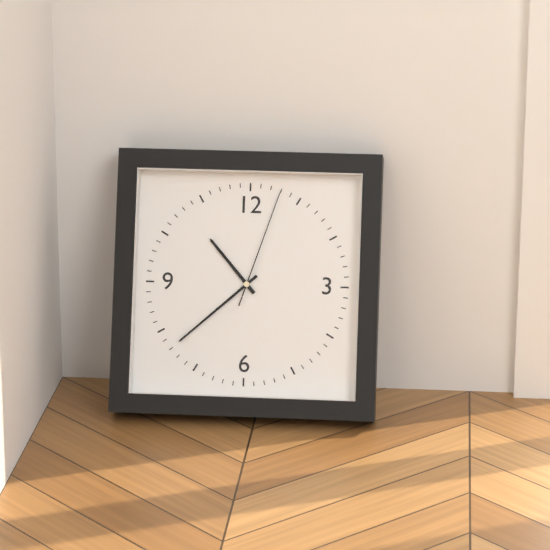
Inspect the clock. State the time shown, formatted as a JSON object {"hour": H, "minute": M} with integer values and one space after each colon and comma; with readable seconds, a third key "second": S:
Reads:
{"hour": 10, "minute": 38, "second": 3}
